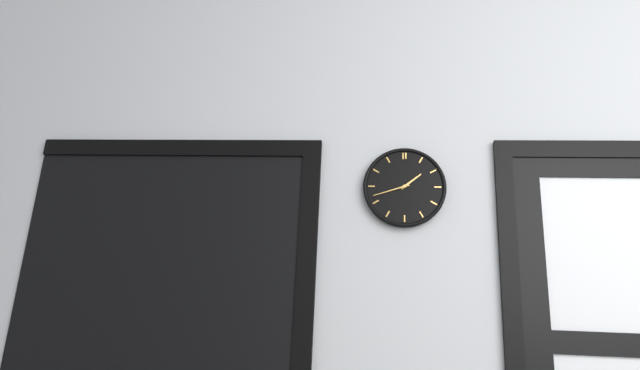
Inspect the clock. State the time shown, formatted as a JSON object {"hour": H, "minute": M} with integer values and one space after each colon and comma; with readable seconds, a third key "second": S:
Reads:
{"hour": 1, "minute": 42}
